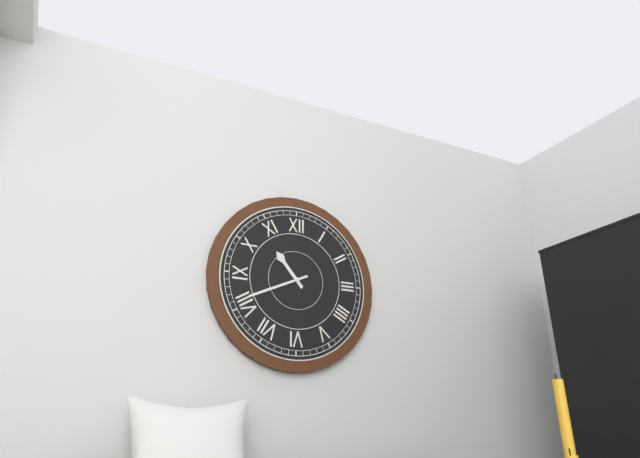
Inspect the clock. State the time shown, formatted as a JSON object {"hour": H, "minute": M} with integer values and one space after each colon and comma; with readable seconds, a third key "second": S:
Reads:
{"hour": 10, "minute": 41}
